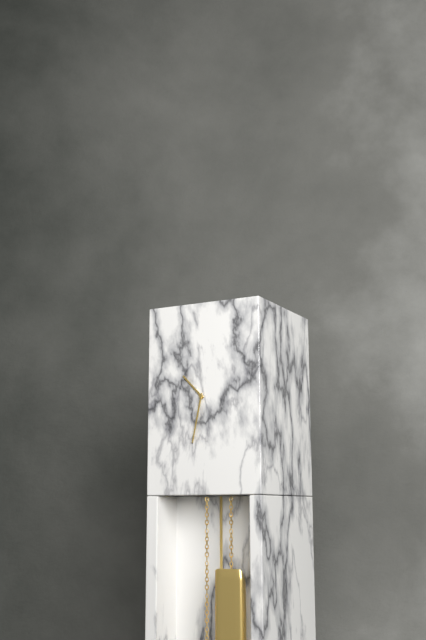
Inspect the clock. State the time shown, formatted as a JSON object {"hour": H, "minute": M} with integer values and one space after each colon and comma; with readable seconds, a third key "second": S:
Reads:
{"hour": 10, "minute": 32}
